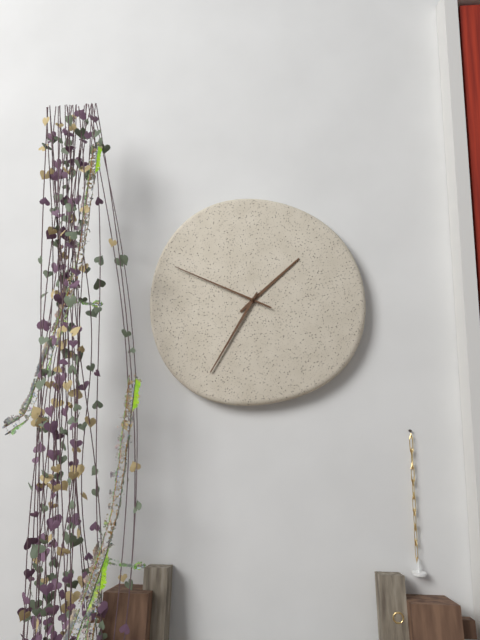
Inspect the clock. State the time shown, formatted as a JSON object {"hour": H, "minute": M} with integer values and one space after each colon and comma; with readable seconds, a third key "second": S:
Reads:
{"hour": 1, "minute": 35, "second": 49}
